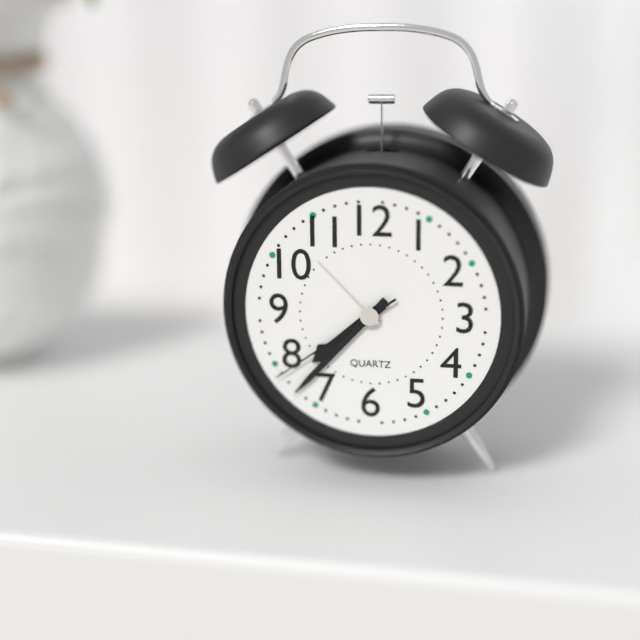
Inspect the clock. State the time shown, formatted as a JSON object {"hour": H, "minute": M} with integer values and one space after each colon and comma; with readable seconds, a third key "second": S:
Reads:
{"hour": 7, "minute": 37, "second": 39}
